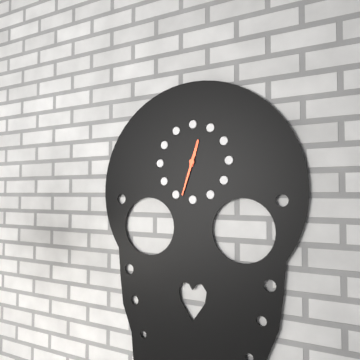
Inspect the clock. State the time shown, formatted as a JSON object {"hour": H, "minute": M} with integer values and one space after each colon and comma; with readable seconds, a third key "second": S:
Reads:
{"hour": 12, "minute": 33}
